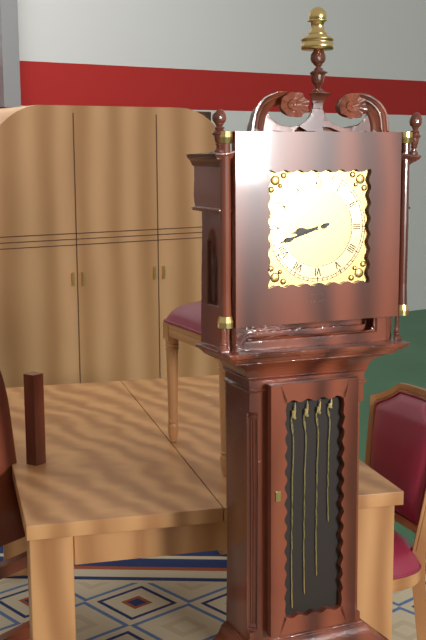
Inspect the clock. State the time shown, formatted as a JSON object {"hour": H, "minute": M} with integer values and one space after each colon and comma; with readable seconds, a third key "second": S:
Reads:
{"hour": 8, "minute": 42}
